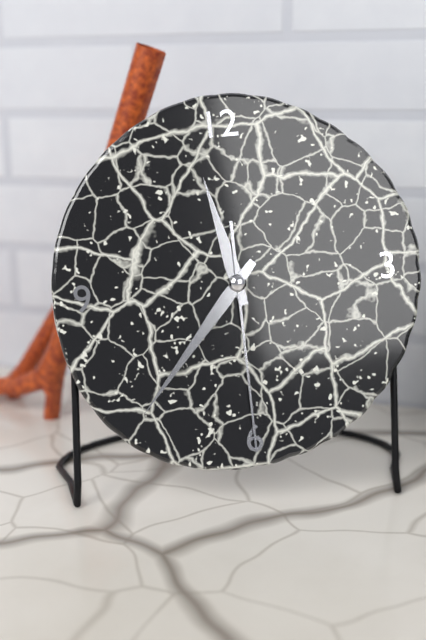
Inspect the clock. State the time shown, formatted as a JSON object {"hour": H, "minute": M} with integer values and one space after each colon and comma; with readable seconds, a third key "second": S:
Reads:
{"hour": 11, "minute": 37, "second": 30}
